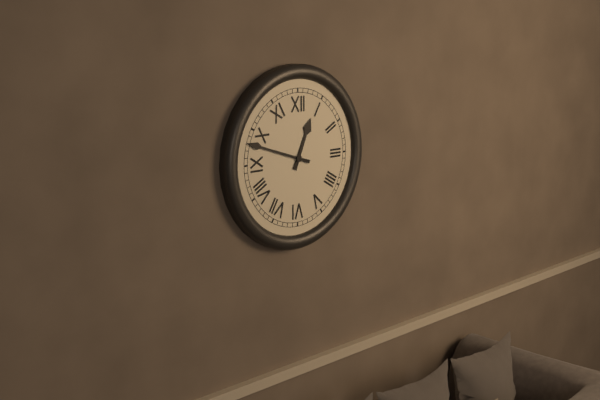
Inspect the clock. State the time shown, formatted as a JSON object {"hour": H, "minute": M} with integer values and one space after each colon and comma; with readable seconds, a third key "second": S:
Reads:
{"hour": 12, "minute": 48}
